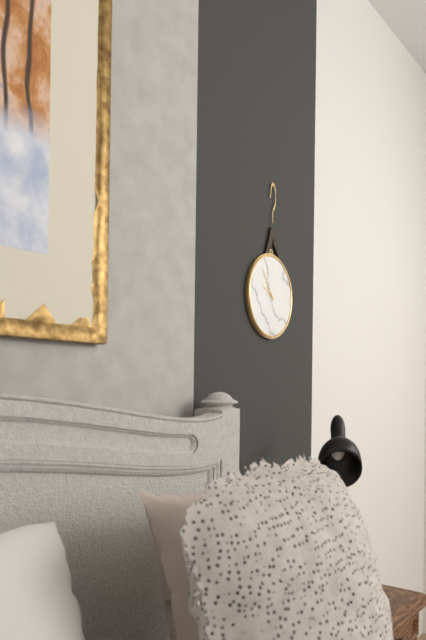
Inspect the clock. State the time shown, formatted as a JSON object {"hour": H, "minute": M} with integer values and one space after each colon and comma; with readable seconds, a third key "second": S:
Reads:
{"hour": 9, "minute": 54}
